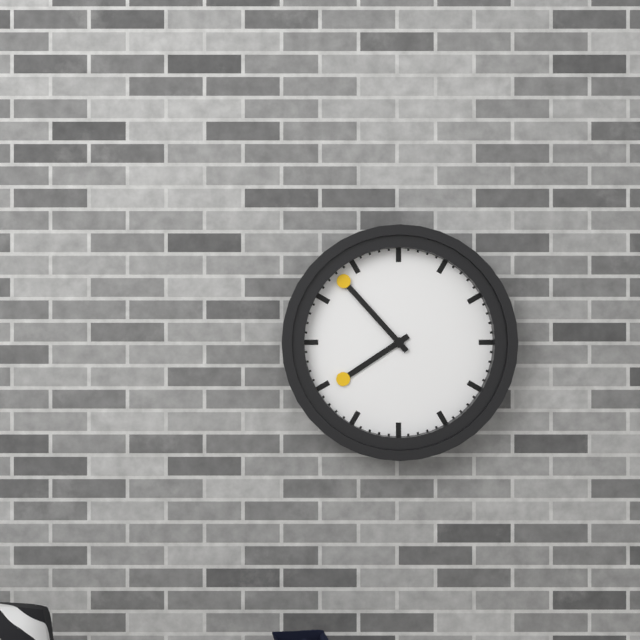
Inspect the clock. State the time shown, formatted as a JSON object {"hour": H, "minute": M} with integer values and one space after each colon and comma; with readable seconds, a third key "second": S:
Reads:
{"hour": 7, "minute": 53}
